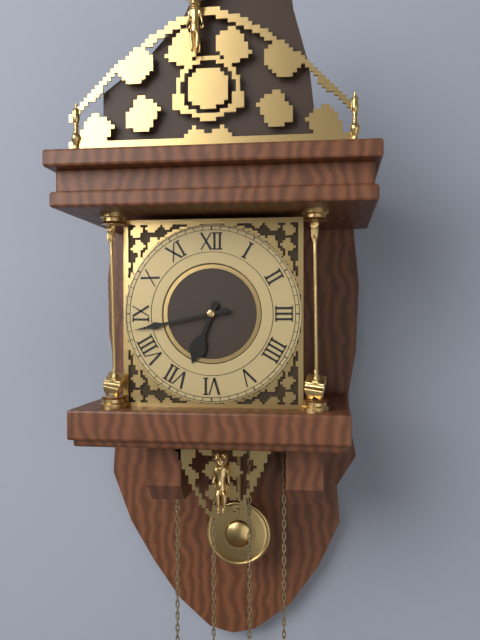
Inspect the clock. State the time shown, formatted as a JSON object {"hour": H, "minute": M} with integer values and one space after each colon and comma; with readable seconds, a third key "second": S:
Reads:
{"hour": 6, "minute": 43}
